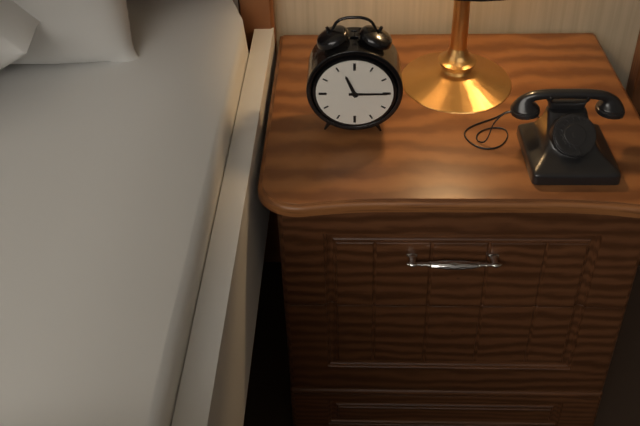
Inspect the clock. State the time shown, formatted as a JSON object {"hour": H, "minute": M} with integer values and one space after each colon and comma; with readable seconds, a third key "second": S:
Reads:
{"hour": 11, "minute": 15}
